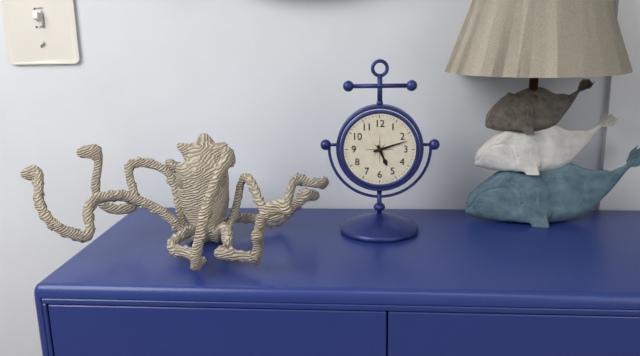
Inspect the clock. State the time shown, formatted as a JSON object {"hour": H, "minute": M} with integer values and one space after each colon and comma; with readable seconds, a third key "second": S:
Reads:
{"hour": 5, "minute": 12}
